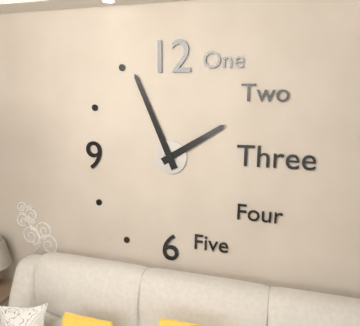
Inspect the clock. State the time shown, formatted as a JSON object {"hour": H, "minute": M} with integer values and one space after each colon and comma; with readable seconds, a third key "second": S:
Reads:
{"hour": 1, "minute": 56}
